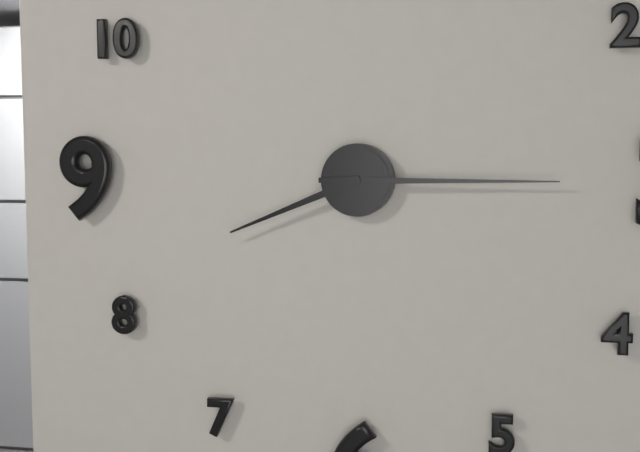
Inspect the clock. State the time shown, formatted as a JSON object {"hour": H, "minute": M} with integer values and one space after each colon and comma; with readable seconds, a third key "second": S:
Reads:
{"hour": 8, "minute": 15}
